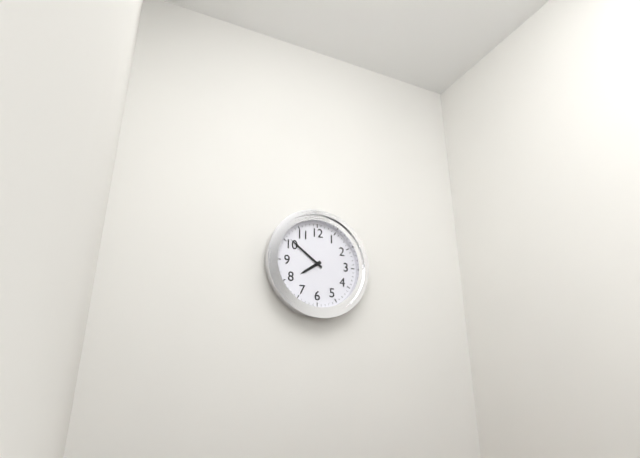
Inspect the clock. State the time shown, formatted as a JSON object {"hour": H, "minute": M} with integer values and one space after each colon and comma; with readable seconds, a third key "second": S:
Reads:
{"hour": 7, "minute": 51}
